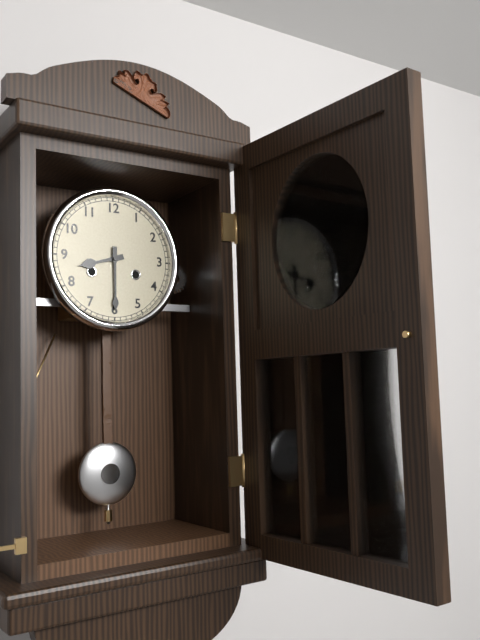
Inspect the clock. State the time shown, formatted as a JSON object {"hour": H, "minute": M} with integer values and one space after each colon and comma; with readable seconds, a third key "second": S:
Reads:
{"hour": 8, "minute": 30}
